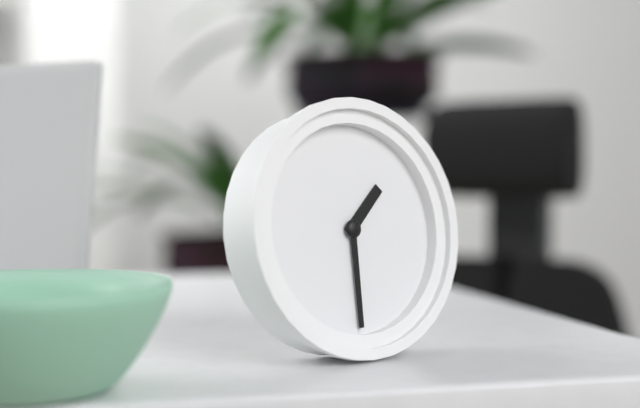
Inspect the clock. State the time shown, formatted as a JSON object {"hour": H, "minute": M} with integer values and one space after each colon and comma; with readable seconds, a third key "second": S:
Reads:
{"hour": 1, "minute": 30}
